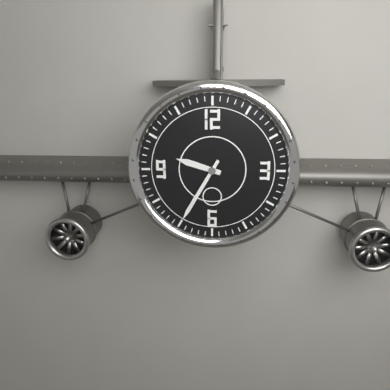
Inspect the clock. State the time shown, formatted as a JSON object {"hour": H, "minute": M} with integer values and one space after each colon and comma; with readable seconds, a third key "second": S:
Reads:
{"hour": 9, "minute": 35}
